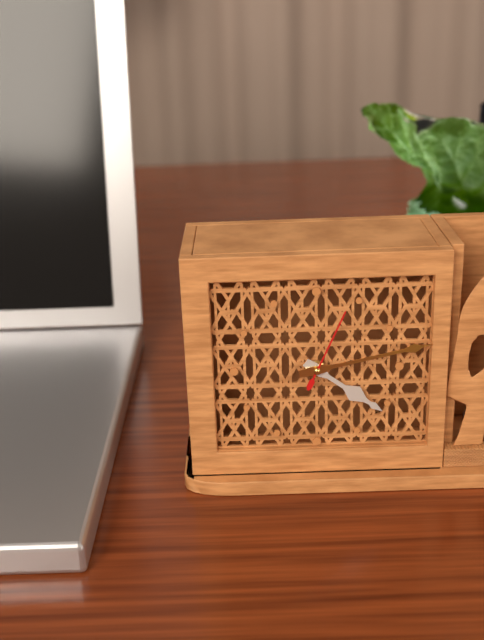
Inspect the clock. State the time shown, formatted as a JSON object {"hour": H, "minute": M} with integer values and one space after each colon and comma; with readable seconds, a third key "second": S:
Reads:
{"hour": 4, "minute": 13, "second": 4}
